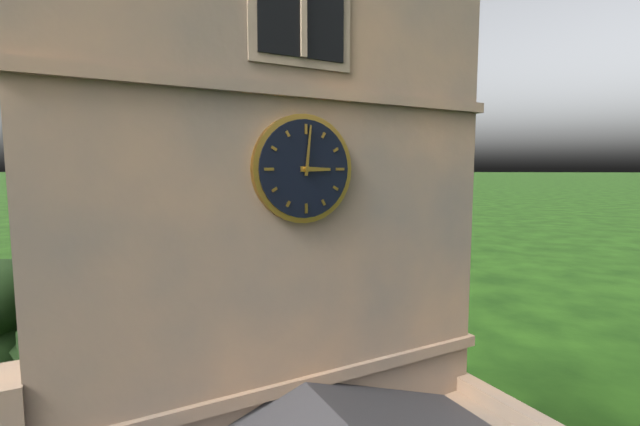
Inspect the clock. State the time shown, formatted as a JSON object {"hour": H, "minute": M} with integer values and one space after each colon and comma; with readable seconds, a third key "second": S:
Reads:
{"hour": 3, "minute": 1}
